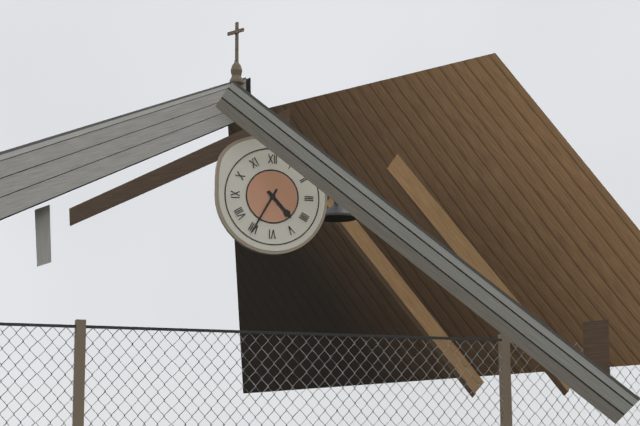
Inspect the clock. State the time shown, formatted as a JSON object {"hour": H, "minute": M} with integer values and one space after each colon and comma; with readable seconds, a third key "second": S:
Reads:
{"hour": 4, "minute": 35}
